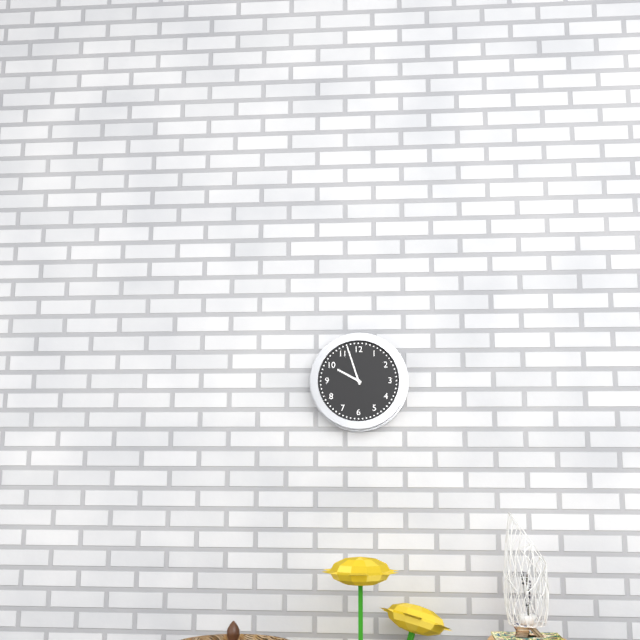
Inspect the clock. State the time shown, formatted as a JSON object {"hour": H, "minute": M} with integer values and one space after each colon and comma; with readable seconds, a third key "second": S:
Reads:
{"hour": 9, "minute": 57}
